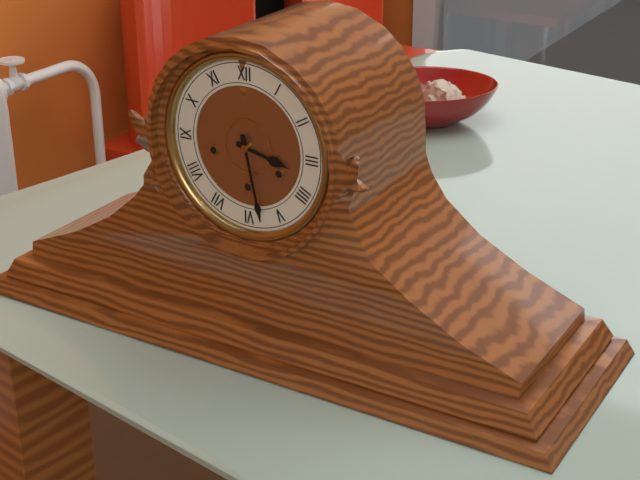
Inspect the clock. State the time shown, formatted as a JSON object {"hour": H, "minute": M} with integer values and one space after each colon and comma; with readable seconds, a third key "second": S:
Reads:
{"hour": 3, "minute": 28}
